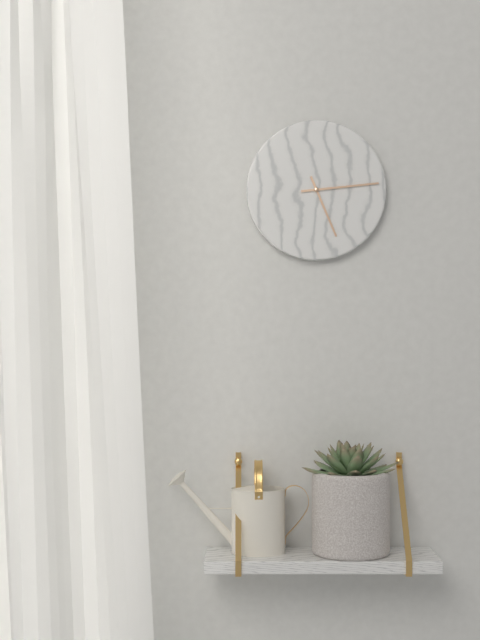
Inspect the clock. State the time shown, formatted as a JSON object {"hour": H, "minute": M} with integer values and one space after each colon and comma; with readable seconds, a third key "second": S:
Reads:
{"hour": 5, "minute": 14}
